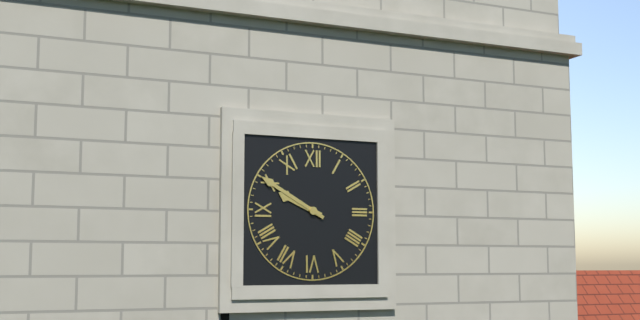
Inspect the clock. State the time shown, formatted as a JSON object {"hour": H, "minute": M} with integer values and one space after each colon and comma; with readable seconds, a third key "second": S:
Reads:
{"hour": 9, "minute": 50}
